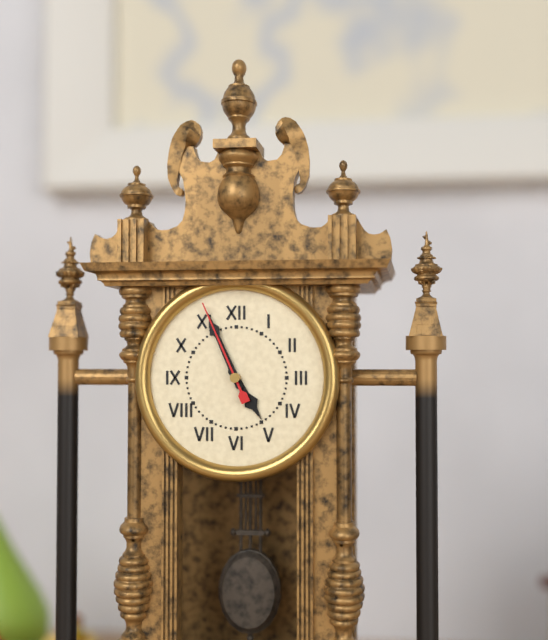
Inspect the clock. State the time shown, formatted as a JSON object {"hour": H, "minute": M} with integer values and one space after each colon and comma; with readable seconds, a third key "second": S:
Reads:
{"hour": 4, "minute": 56, "second": 56}
